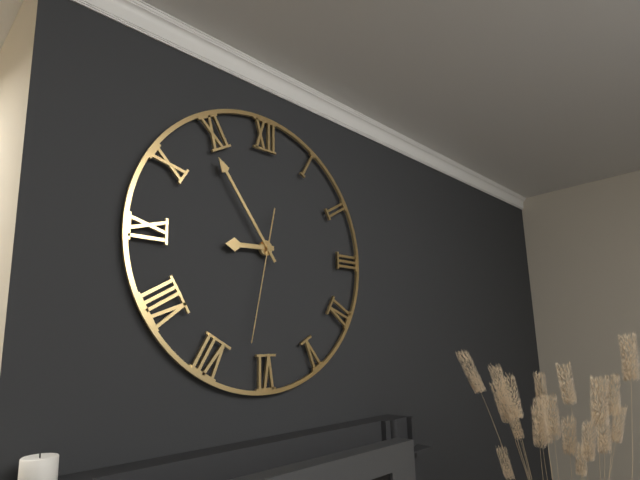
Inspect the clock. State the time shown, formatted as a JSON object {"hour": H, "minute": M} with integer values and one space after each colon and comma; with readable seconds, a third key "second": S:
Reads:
{"hour": 8, "minute": 54, "second": 32}
